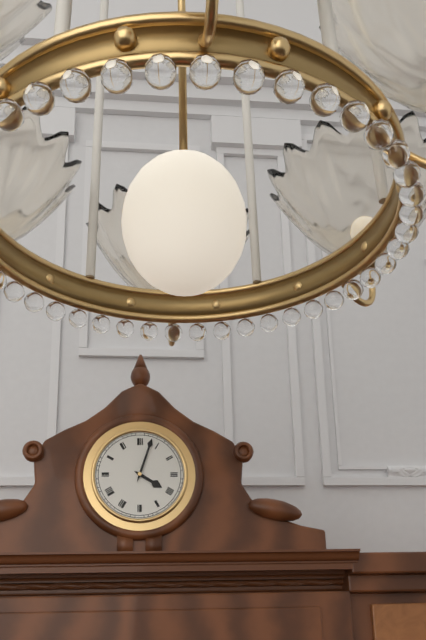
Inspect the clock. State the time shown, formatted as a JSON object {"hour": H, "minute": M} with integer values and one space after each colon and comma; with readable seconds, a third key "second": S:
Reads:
{"hour": 4, "minute": 3}
